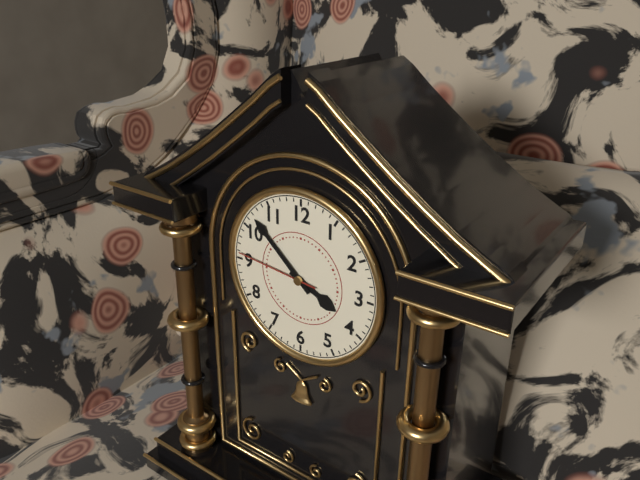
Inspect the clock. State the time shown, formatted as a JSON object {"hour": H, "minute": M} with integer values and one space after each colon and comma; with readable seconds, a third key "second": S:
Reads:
{"hour": 3, "minute": 52, "second": 46}
